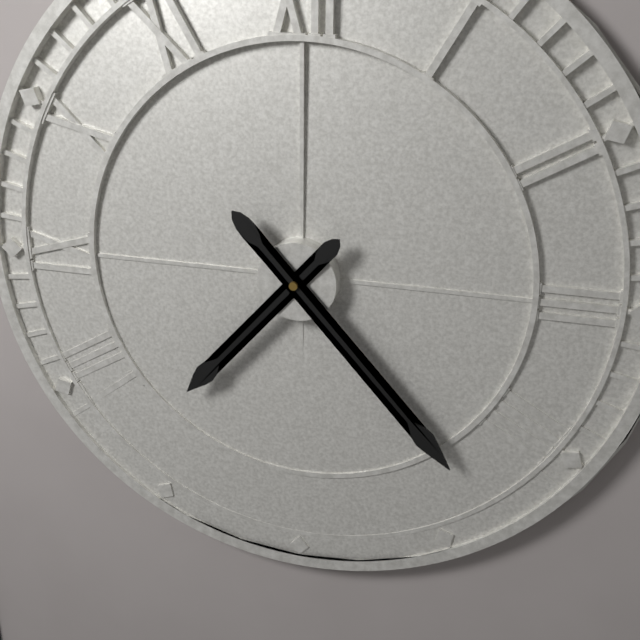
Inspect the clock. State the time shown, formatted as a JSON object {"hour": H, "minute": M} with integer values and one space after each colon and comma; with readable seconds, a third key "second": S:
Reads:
{"hour": 7, "minute": 23}
